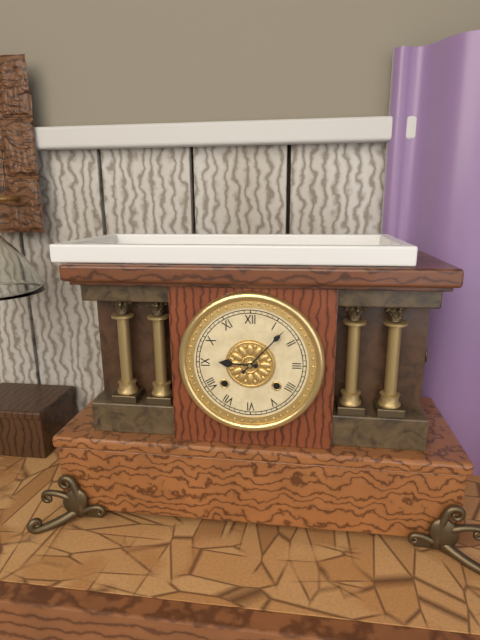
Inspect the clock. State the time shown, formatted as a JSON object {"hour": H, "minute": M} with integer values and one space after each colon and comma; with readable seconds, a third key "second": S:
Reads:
{"hour": 9, "minute": 7}
